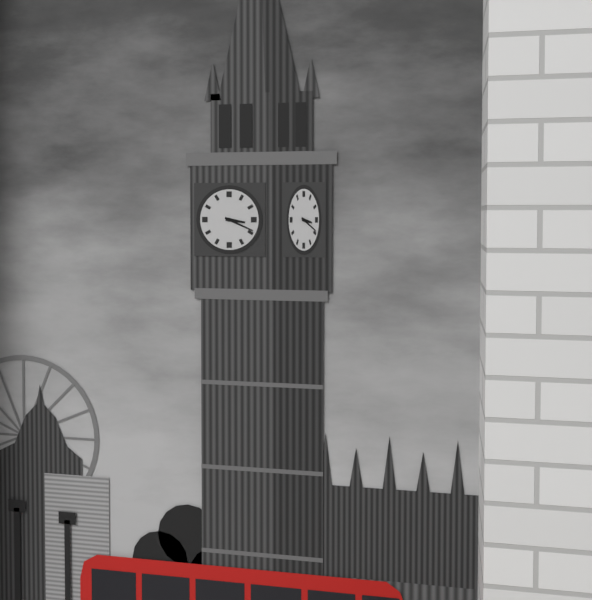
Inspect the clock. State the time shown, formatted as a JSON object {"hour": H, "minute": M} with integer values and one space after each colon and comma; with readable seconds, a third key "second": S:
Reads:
{"hour": 3, "minute": 19}
